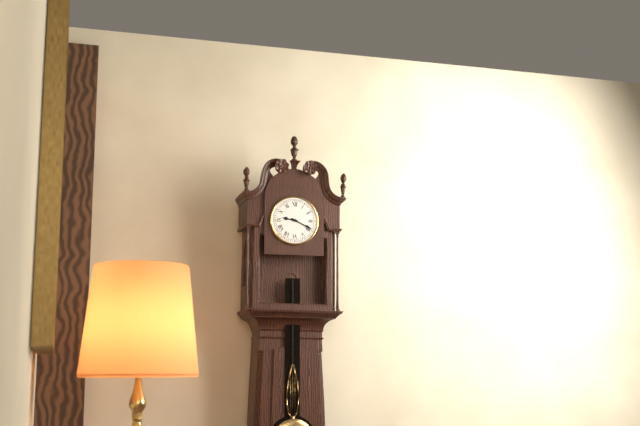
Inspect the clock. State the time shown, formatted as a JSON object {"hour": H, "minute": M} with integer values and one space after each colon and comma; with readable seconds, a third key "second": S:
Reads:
{"hour": 9, "minute": 19}
